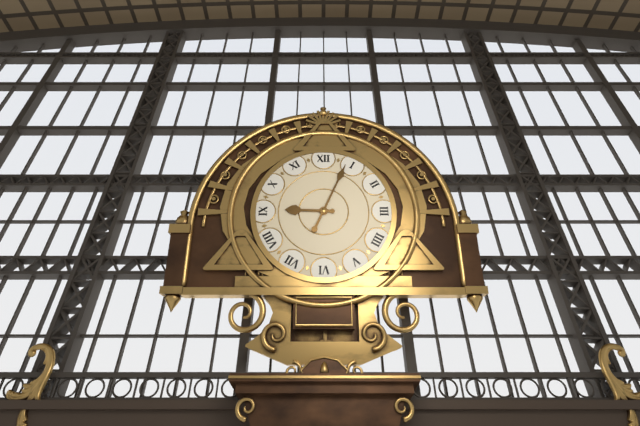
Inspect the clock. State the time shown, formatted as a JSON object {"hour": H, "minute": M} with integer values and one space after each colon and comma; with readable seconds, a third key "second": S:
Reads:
{"hour": 9, "minute": 4}
